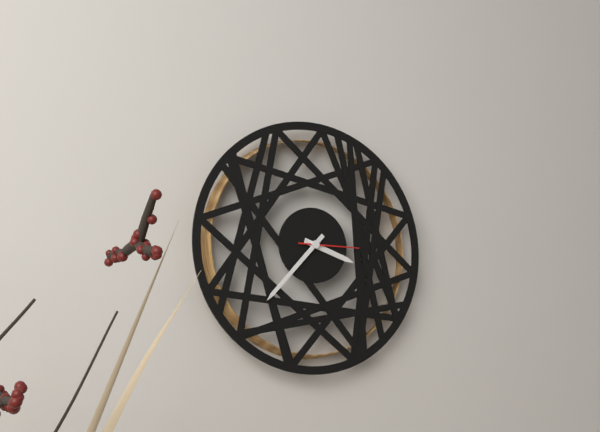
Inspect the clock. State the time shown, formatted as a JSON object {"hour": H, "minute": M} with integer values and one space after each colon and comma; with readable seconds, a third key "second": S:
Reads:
{"hour": 3, "minute": 37, "second": 15}
